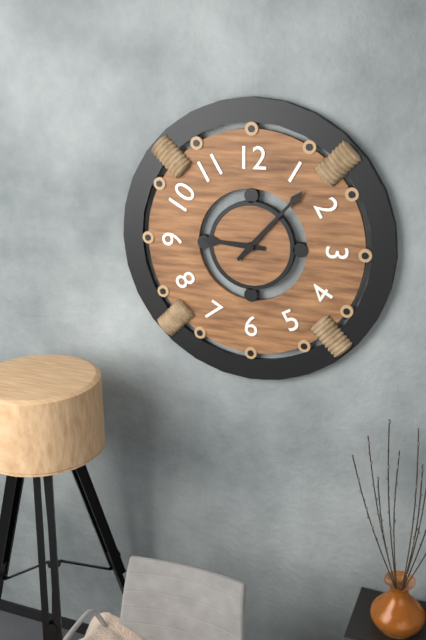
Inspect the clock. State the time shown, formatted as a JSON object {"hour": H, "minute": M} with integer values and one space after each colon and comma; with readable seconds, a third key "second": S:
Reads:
{"hour": 9, "minute": 7}
